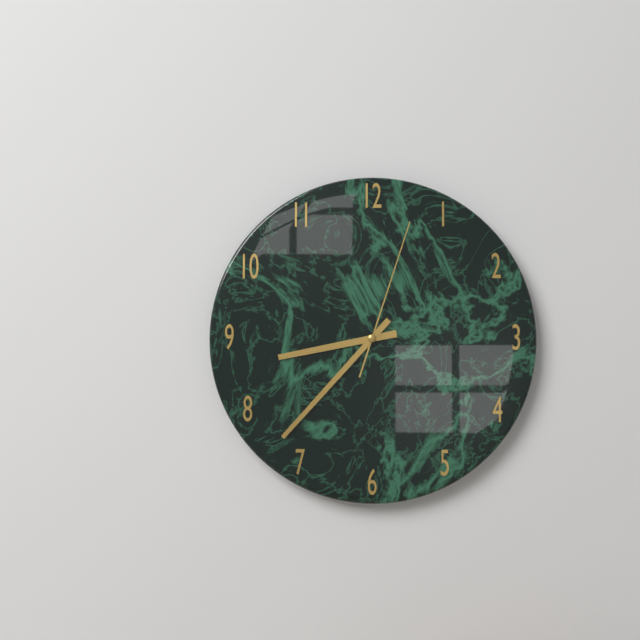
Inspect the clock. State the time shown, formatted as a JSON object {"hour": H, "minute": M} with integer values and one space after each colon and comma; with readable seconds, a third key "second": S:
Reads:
{"hour": 8, "minute": 37, "second": 3}
